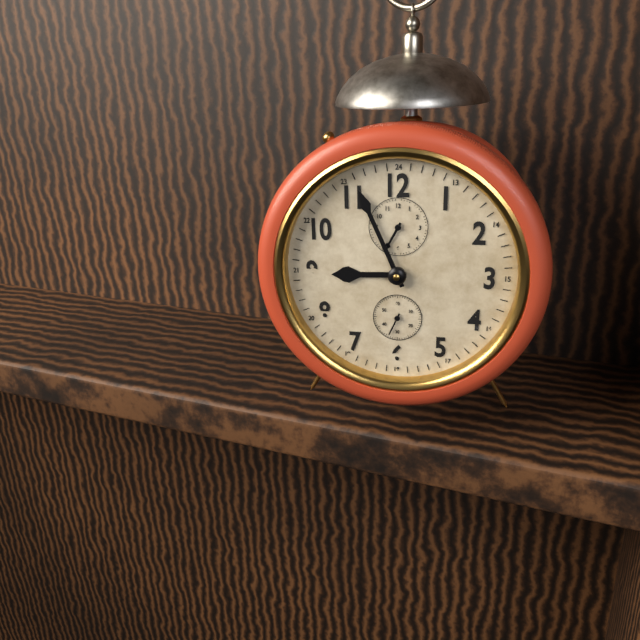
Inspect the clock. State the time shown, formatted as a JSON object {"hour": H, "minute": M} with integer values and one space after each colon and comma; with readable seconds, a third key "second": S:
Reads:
{"hour": 8, "minute": 56}
